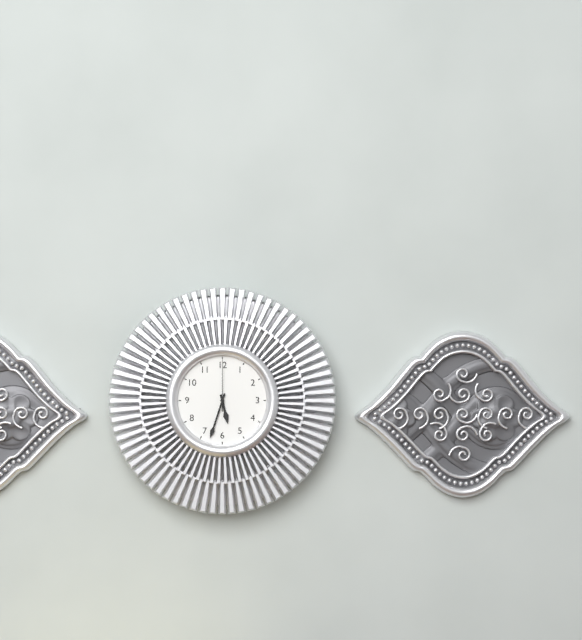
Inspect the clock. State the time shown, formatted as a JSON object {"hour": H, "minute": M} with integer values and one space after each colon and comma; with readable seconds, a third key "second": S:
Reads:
{"hour": 5, "minute": 33, "second": 0}
